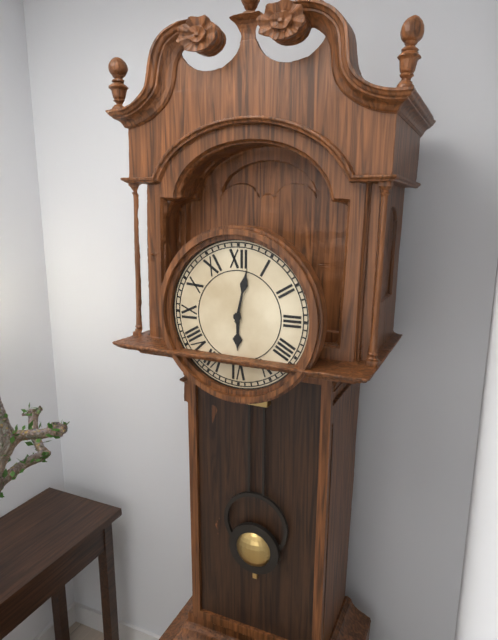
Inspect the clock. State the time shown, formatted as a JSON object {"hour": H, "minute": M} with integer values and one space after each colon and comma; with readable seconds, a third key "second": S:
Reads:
{"hour": 6, "minute": 2}
